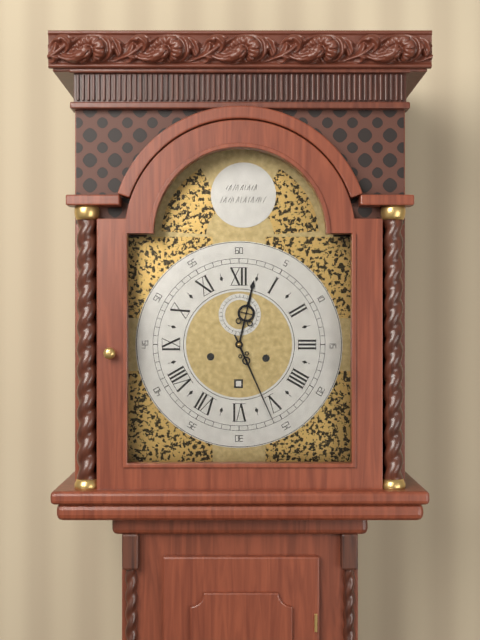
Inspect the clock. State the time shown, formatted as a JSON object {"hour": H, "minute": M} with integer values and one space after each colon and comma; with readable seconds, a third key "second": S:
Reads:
{"hour": 12, "minute": 26}
